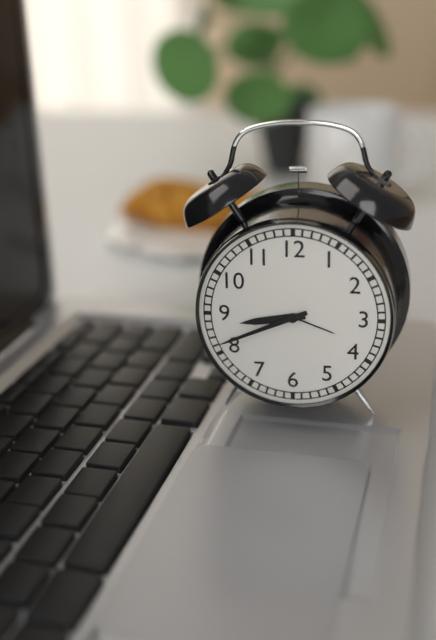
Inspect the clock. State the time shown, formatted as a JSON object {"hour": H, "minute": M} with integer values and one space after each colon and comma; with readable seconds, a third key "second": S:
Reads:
{"hour": 8, "minute": 41}
